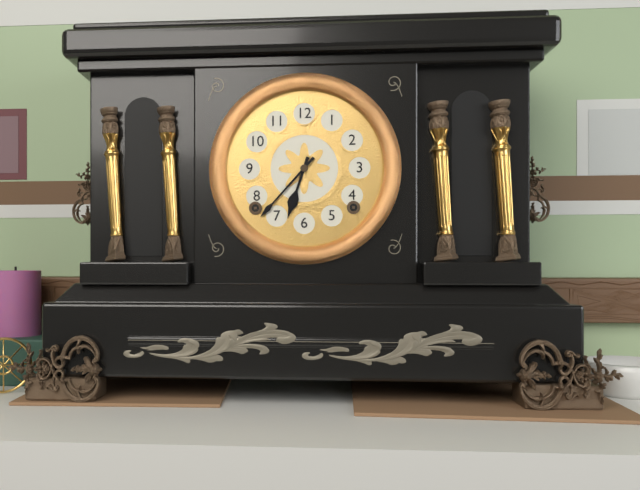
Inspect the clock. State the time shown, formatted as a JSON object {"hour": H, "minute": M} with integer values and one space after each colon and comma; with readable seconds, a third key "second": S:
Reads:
{"hour": 6, "minute": 37}
